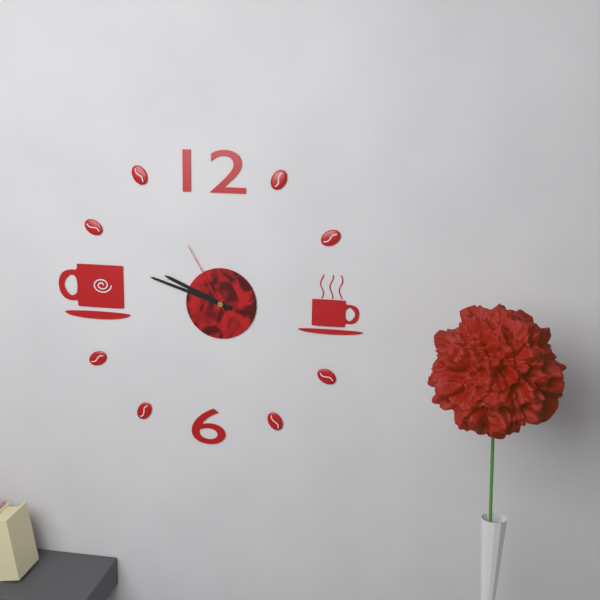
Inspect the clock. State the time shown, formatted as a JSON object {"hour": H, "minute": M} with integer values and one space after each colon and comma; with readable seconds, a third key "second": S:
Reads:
{"hour": 9, "minute": 48, "second": 55}
